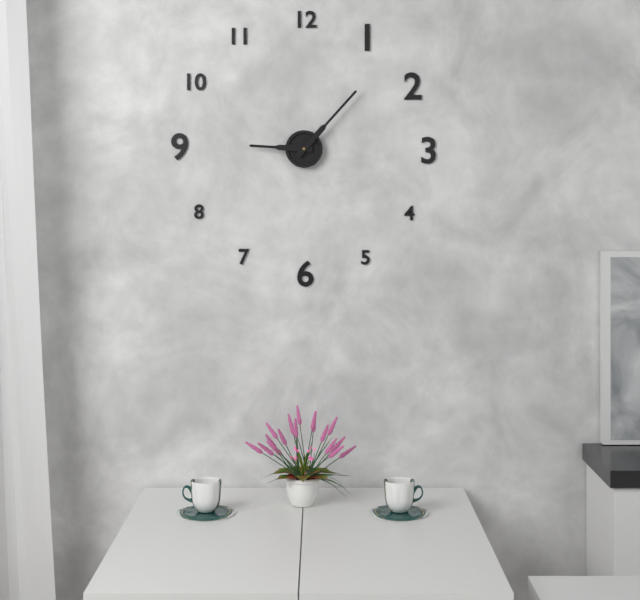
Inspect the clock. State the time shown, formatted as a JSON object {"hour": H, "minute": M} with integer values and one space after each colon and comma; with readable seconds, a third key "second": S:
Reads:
{"hour": 9, "minute": 7}
